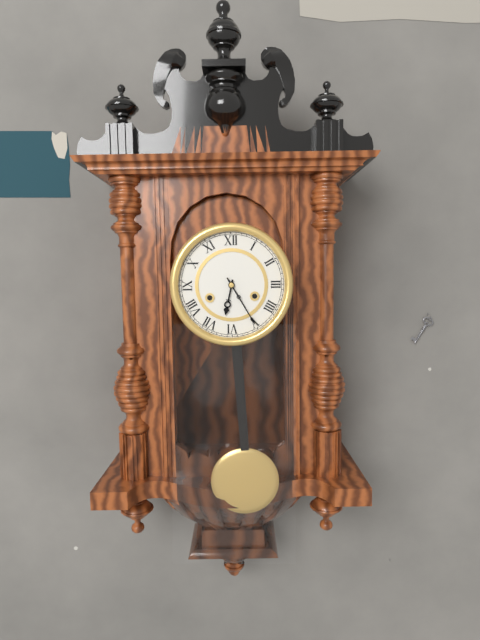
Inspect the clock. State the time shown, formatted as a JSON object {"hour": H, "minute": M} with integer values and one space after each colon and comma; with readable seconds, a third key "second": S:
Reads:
{"hour": 6, "minute": 25}
